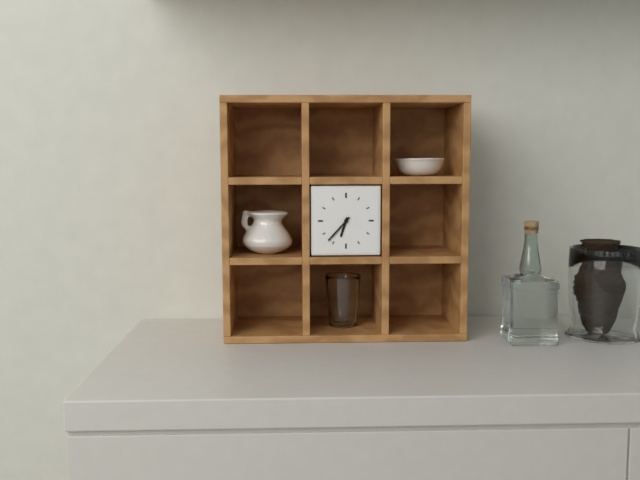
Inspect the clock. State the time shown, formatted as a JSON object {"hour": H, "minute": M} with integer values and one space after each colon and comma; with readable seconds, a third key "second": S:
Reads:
{"hour": 6, "minute": 37}
